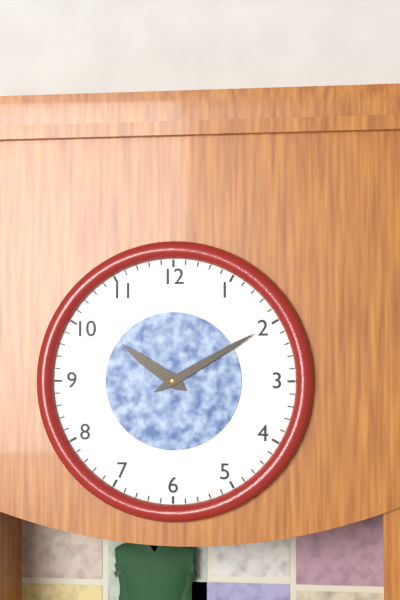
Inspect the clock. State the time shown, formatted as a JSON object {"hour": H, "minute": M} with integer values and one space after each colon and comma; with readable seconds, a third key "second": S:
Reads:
{"hour": 10, "minute": 10}
